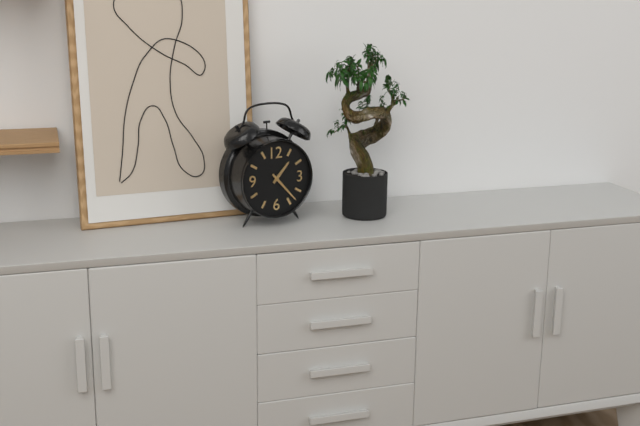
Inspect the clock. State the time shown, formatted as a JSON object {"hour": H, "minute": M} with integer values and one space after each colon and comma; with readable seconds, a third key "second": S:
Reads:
{"hour": 1, "minute": 23}
